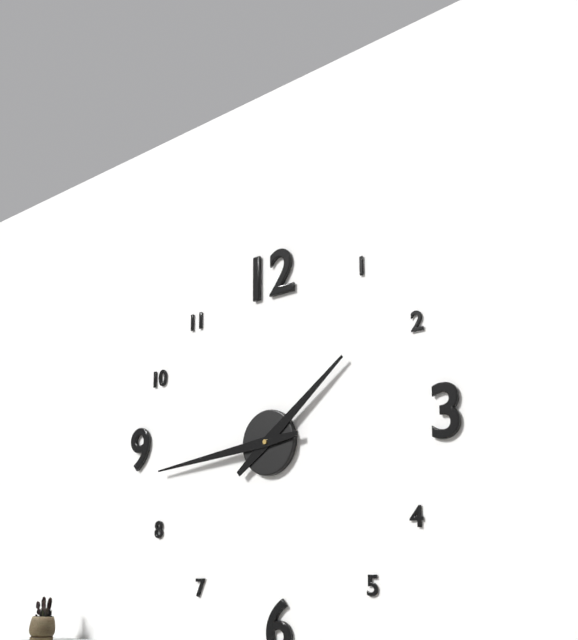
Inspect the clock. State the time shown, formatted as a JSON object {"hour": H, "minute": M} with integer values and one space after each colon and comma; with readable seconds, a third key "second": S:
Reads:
{"hour": 1, "minute": 44}
